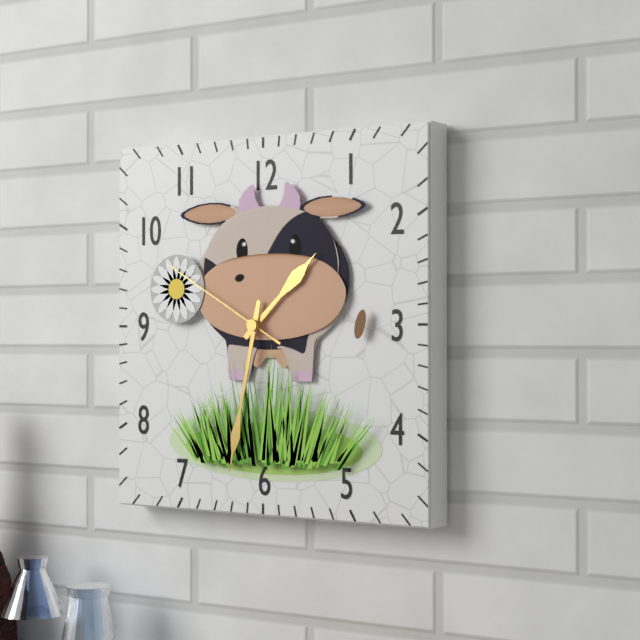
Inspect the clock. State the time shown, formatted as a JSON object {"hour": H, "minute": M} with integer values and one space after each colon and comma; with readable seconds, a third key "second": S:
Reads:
{"hour": 1, "minute": 32, "second": 50}
